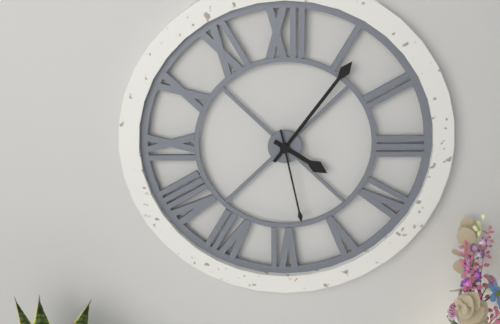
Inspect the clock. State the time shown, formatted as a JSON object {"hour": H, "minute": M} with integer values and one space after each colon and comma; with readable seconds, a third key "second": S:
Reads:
{"hour": 4, "minute": 6, "second": 28}
